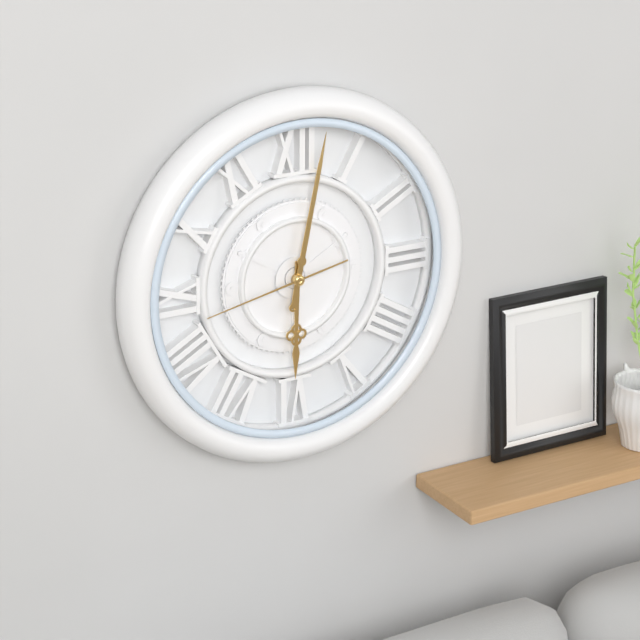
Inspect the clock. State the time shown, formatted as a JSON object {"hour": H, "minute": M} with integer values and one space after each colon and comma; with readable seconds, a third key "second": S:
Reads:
{"hour": 6, "minute": 2, "second": 43}
